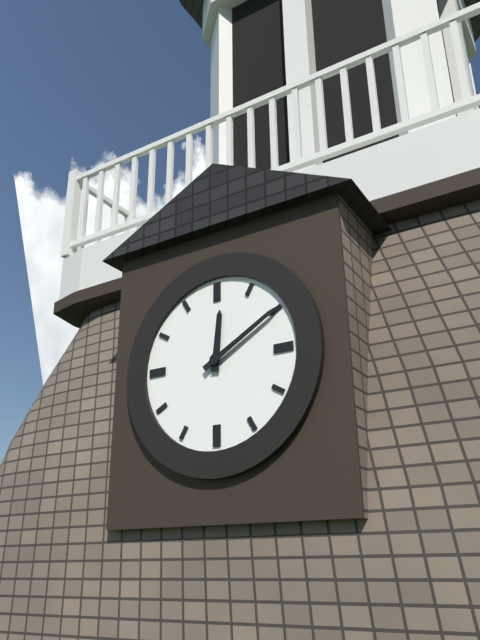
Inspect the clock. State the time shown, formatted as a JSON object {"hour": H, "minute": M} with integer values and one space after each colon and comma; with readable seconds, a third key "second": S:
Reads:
{"hour": 12, "minute": 10}
